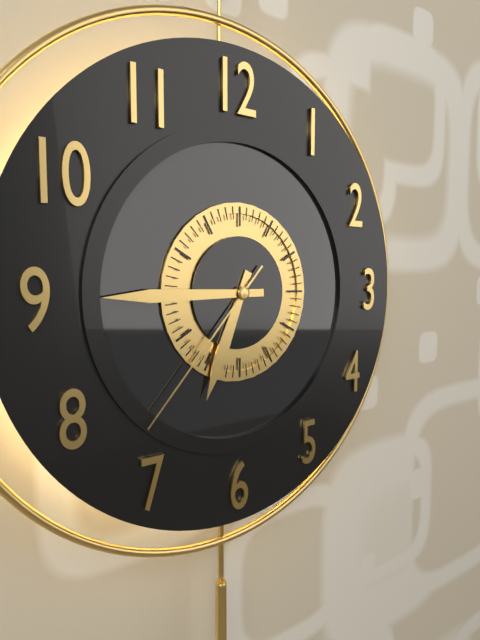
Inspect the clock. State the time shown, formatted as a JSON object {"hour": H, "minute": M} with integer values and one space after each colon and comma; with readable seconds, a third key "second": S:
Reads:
{"hour": 6, "minute": 45, "second": 37}
